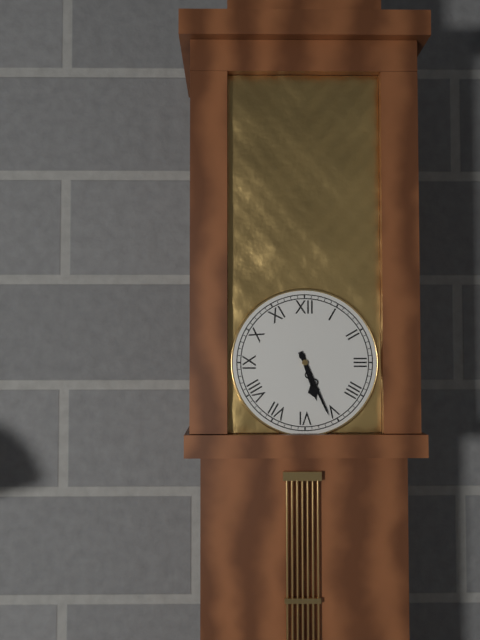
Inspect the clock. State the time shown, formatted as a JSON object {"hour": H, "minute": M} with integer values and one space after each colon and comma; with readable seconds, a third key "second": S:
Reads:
{"hour": 5, "minute": 26}
